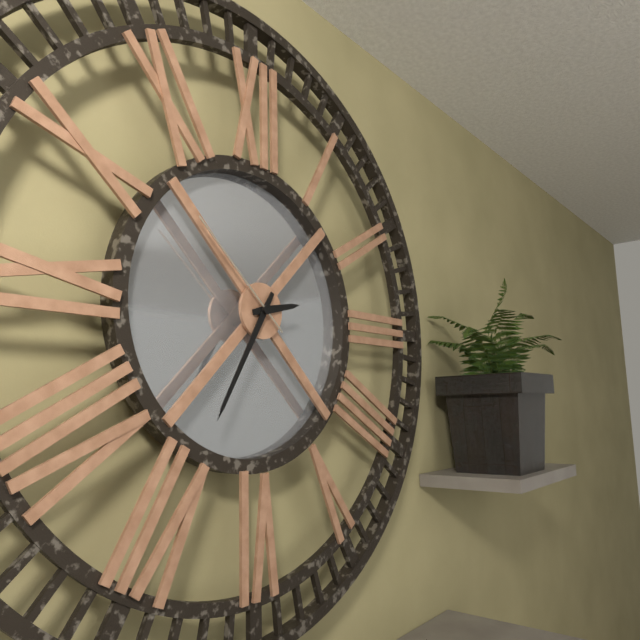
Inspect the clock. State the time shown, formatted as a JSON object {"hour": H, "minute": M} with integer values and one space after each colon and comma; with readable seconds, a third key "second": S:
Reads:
{"hour": 2, "minute": 35, "second": 52}
